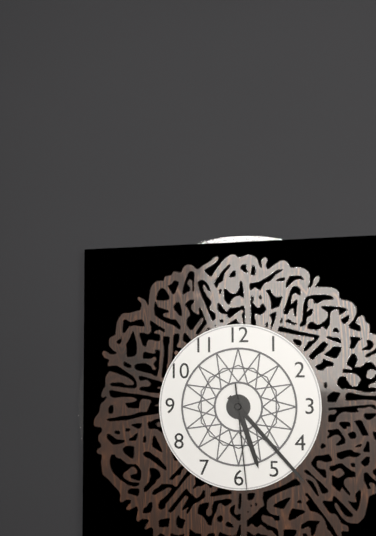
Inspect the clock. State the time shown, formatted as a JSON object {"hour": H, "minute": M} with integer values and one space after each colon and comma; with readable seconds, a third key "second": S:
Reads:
{"hour": 5, "minute": 23, "second": 29}
